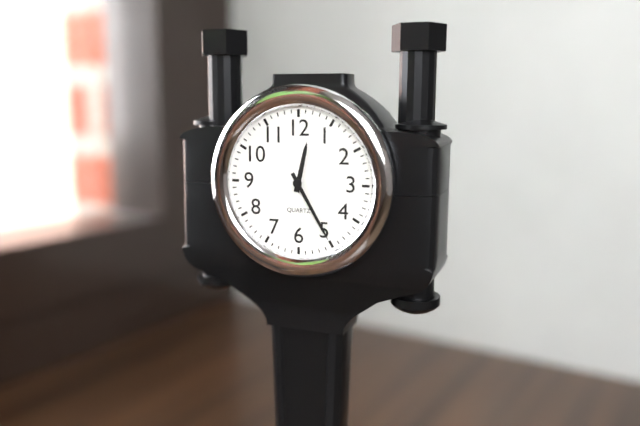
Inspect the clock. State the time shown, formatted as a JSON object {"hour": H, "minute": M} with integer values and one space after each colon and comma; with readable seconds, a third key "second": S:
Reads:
{"hour": 12, "minute": 25}
